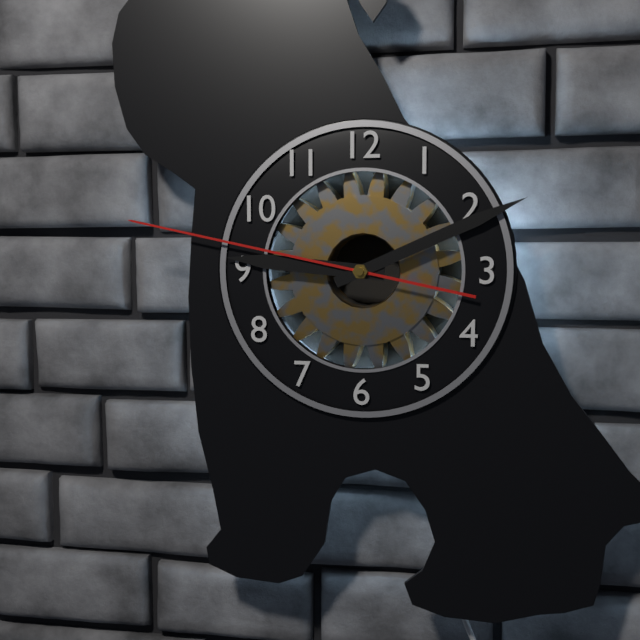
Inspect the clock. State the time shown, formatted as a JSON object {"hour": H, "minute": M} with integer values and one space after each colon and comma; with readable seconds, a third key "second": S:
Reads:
{"hour": 9, "minute": 11, "second": 47}
